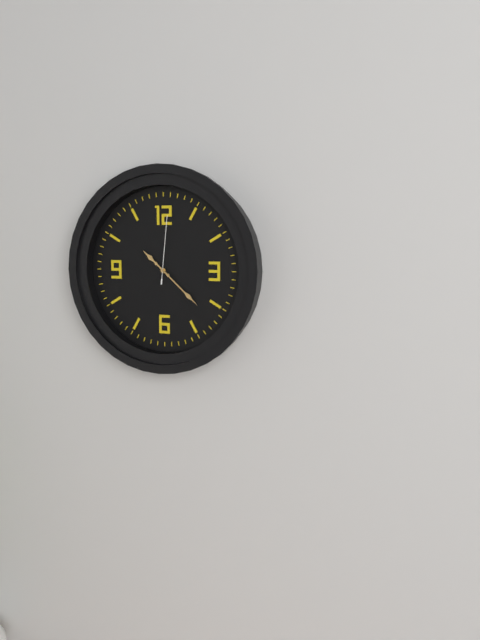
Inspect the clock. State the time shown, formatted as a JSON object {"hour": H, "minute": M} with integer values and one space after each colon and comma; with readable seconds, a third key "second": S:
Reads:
{"hour": 10, "minute": 22, "second": 1}
